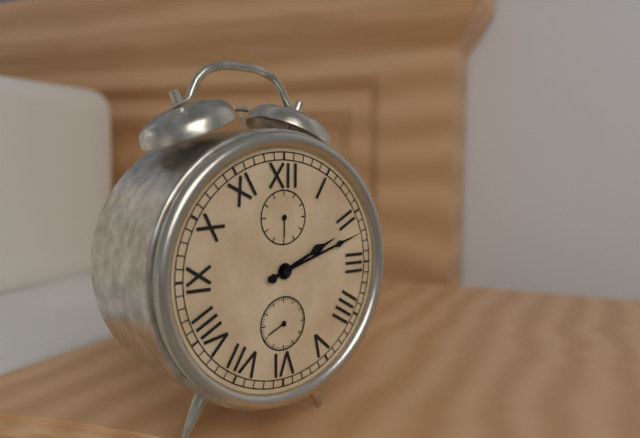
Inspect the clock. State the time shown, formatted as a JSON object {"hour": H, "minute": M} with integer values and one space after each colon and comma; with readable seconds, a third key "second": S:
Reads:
{"hour": 2, "minute": 12}
